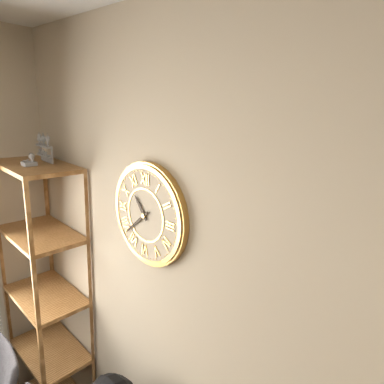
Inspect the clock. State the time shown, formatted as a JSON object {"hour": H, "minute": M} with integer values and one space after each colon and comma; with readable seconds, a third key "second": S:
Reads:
{"hour": 10, "minute": 38}
